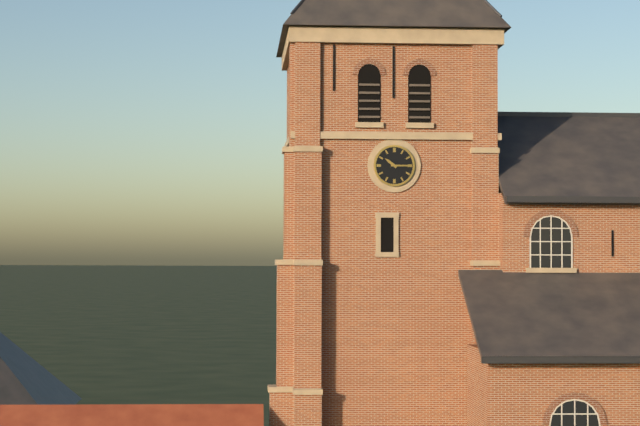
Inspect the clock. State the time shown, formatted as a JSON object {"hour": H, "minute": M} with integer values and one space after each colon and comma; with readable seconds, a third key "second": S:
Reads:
{"hour": 10, "minute": 15}
